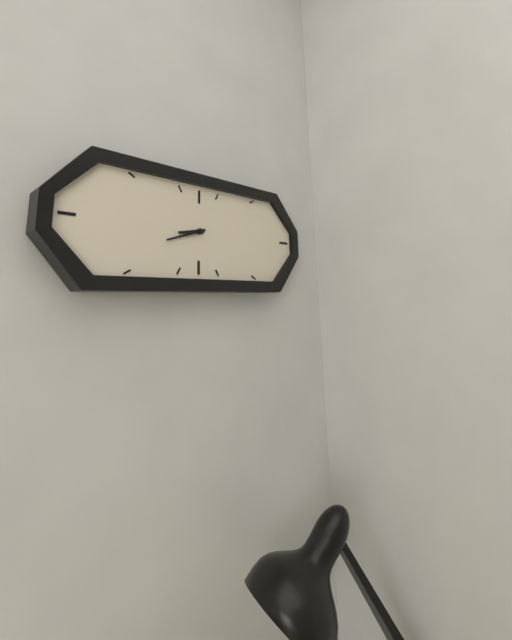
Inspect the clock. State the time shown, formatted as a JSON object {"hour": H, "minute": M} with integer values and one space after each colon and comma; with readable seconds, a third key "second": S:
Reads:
{"hour": 8, "minute": 42}
